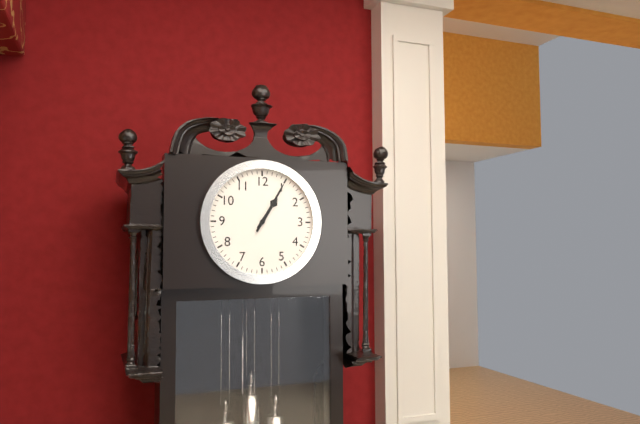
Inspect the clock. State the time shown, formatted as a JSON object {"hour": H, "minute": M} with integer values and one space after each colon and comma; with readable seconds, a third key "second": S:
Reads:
{"hour": 1, "minute": 5}
